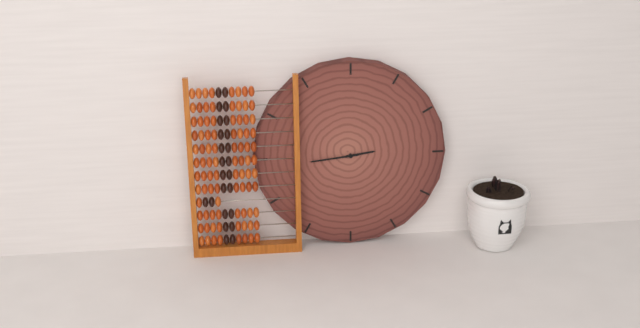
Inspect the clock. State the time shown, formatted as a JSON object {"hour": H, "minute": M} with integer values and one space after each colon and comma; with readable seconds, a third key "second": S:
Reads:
{"hour": 2, "minute": 44}
